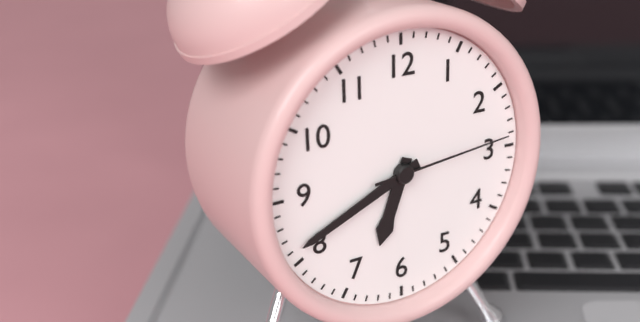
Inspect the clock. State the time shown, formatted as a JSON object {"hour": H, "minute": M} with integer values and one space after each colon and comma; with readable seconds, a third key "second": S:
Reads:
{"hour": 6, "minute": 41, "second": 14}
